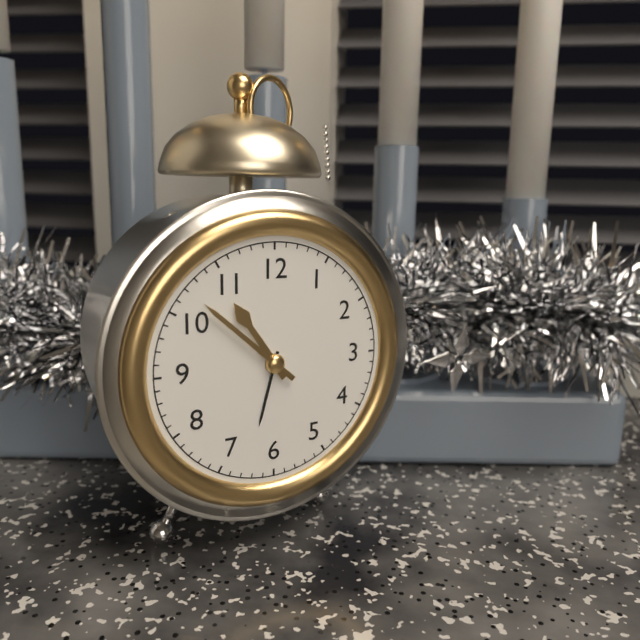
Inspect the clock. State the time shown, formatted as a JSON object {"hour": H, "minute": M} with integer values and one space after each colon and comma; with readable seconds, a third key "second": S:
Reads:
{"hour": 10, "minute": 52}
